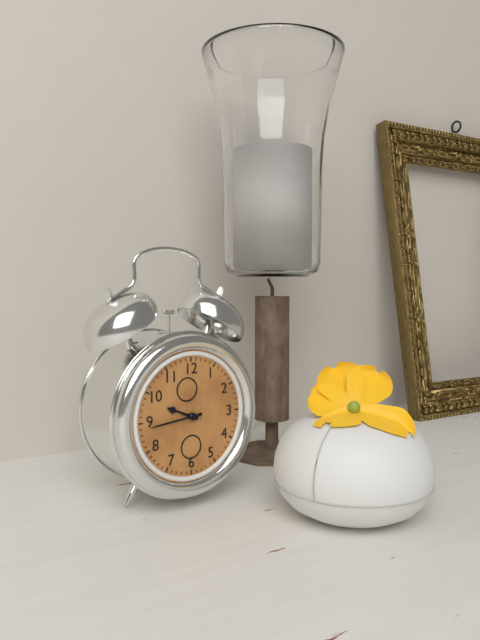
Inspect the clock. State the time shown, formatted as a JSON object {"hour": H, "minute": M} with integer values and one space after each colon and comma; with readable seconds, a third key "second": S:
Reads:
{"hour": 9, "minute": 44}
